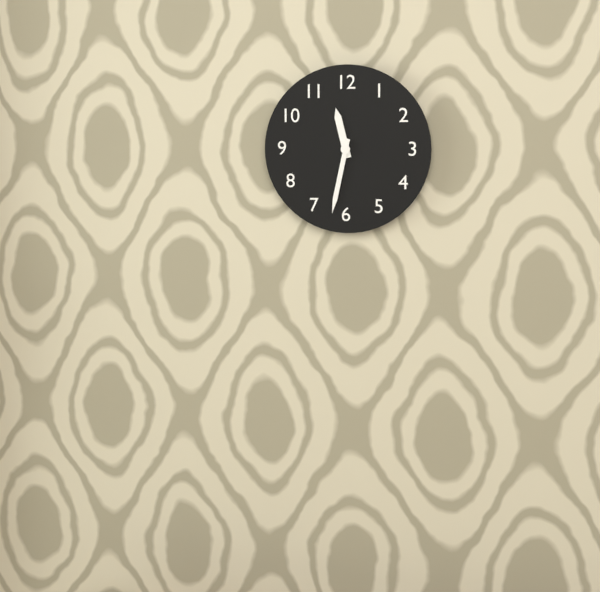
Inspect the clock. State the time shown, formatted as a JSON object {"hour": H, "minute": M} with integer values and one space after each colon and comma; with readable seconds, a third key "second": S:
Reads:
{"hour": 11, "minute": 32}
